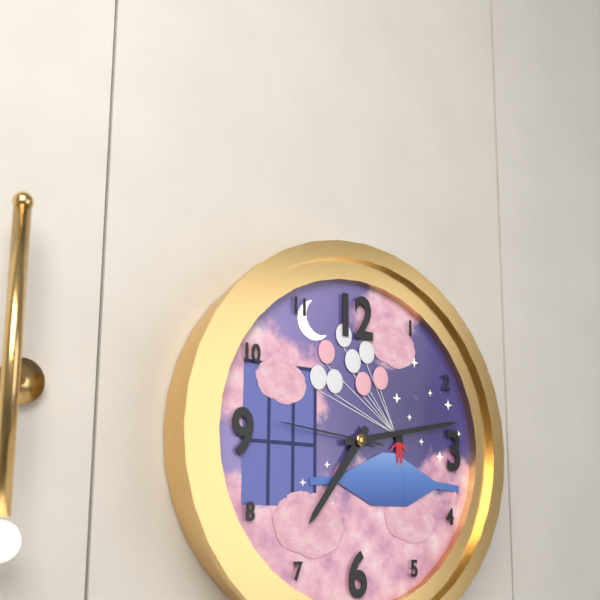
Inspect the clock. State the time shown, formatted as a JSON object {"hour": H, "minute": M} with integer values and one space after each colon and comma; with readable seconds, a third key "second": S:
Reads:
{"hour": 7, "minute": 13, "second": 46}
